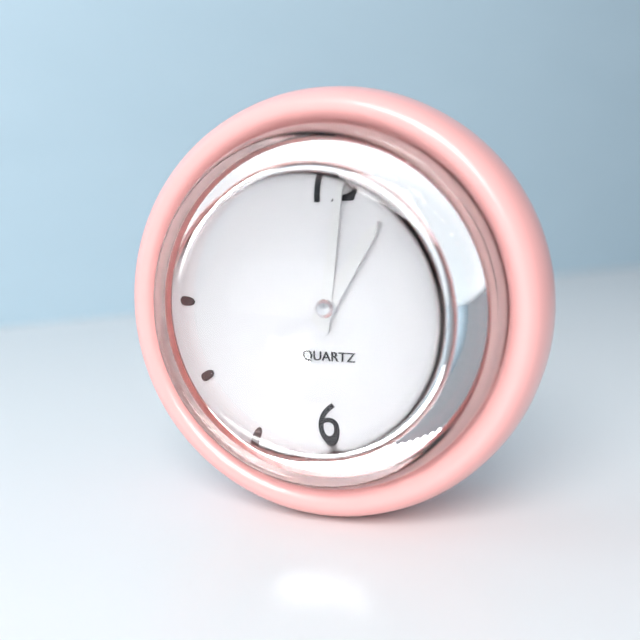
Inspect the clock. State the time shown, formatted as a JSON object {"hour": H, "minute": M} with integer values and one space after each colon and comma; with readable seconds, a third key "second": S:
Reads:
{"hour": 1, "minute": 1}
